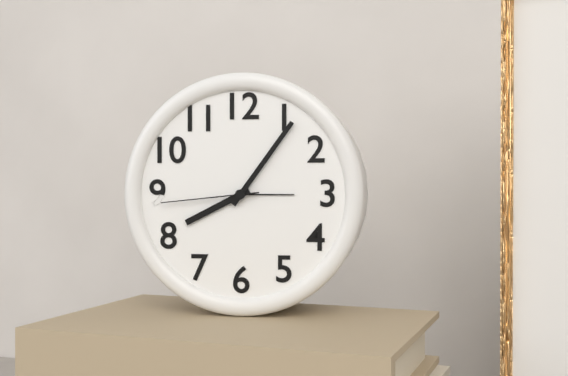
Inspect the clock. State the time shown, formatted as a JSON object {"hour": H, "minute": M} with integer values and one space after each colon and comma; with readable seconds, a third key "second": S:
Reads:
{"hour": 8, "minute": 6, "second": 44}
